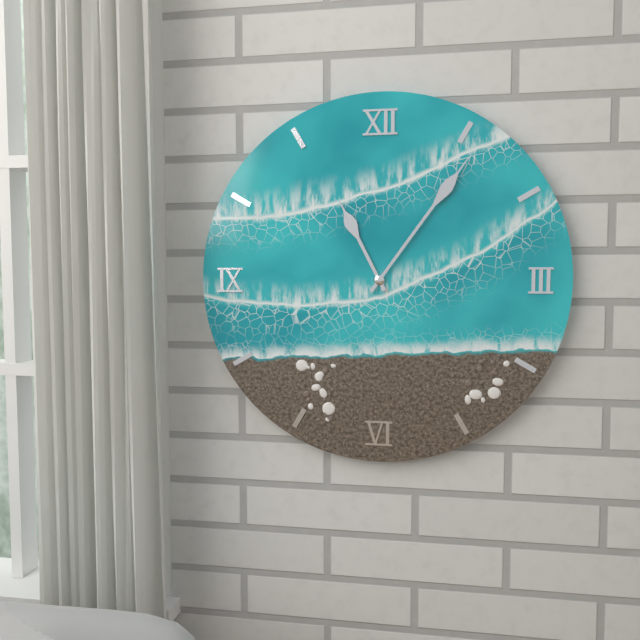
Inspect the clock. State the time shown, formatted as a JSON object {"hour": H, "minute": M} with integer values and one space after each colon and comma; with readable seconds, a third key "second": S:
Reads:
{"hour": 11, "minute": 6}
